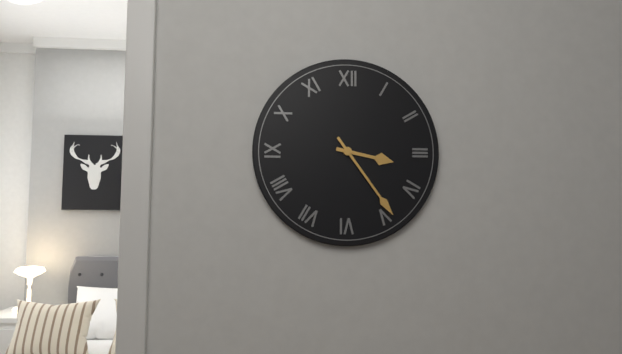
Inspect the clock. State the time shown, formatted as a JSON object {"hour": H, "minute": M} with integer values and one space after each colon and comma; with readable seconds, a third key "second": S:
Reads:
{"hour": 3, "minute": 24}
